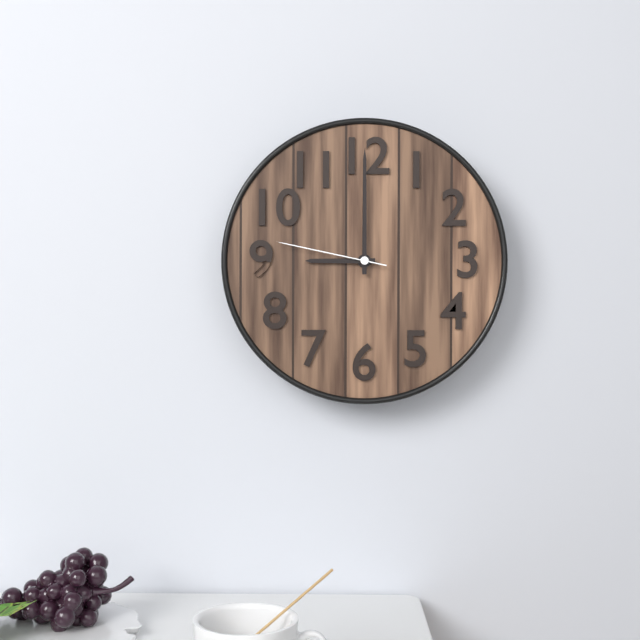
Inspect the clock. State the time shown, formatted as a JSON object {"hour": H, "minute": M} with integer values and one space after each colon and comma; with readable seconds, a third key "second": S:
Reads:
{"hour": 9, "minute": 0, "second": 47}
